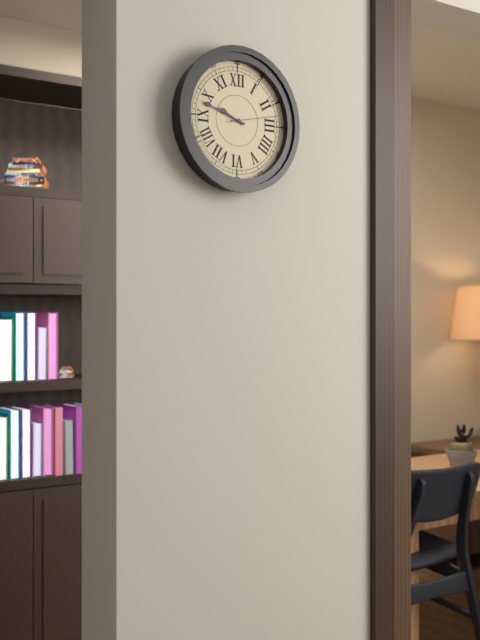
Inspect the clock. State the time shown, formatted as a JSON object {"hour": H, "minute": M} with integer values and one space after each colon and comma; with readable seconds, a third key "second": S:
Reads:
{"hour": 9, "minute": 48, "second": 13}
